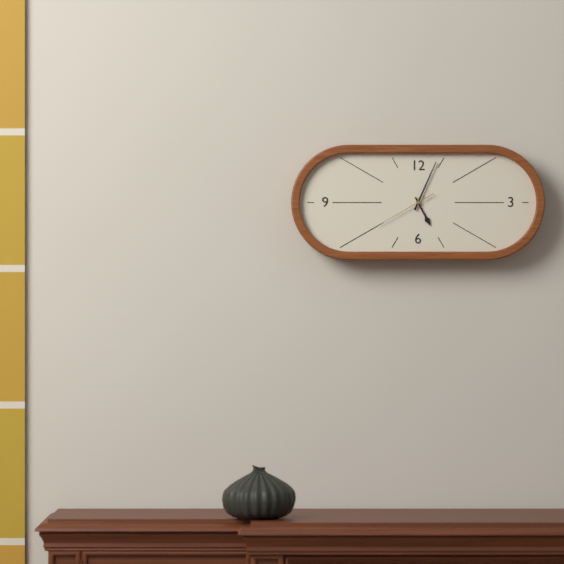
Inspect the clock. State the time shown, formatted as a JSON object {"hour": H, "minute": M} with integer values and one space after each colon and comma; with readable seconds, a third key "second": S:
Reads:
{"hour": 5, "minute": 4, "second": 40}
